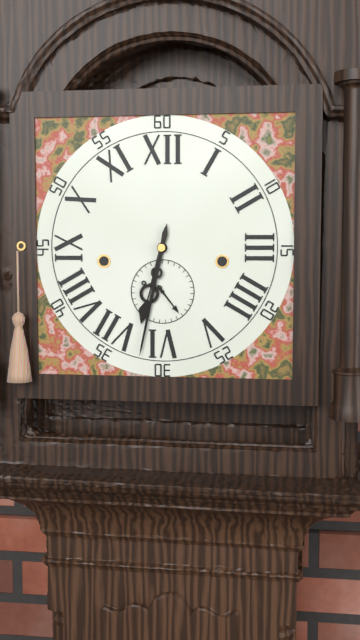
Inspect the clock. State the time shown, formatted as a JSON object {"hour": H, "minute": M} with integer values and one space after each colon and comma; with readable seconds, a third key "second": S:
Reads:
{"hour": 6, "minute": 32}
